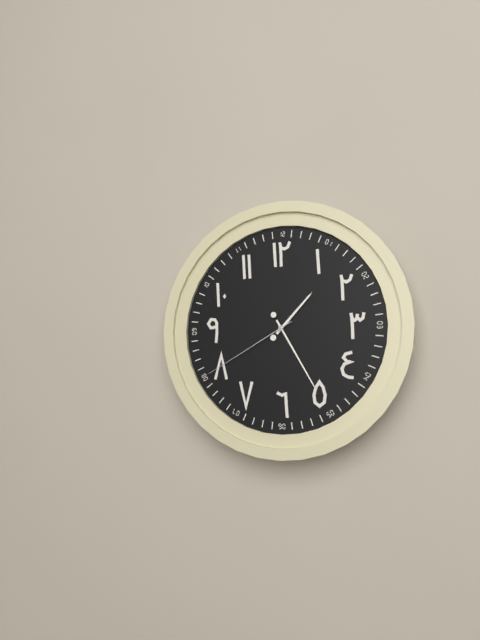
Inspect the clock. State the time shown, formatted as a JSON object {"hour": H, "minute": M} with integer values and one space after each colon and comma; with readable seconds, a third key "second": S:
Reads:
{"hour": 1, "minute": 25, "second": 40}
